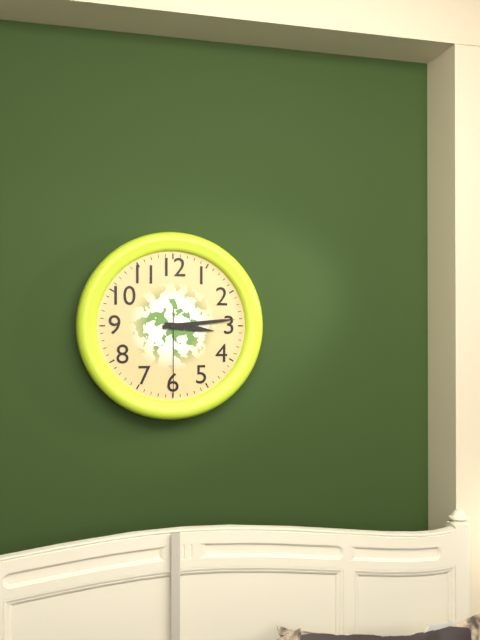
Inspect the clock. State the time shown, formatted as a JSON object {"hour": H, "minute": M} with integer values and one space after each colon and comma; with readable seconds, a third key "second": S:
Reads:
{"hour": 3, "minute": 14, "second": 30}
